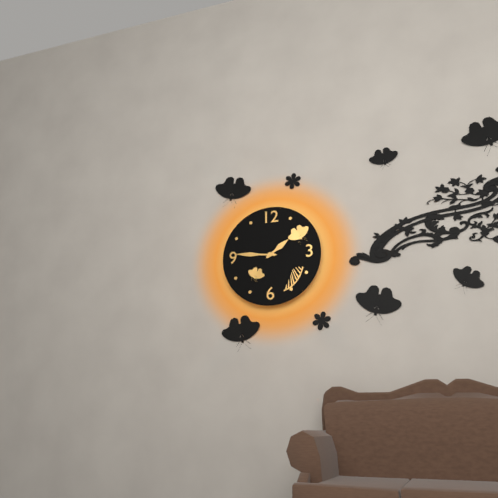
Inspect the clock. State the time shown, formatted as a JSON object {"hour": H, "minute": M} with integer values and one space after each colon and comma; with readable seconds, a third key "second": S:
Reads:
{"hour": 1, "minute": 46}
